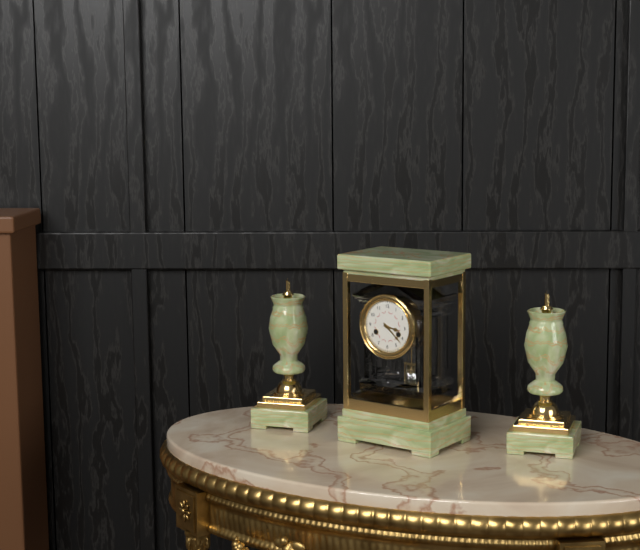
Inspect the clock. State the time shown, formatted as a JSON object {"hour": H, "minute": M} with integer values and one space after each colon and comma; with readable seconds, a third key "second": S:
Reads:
{"hour": 3, "minute": 22}
